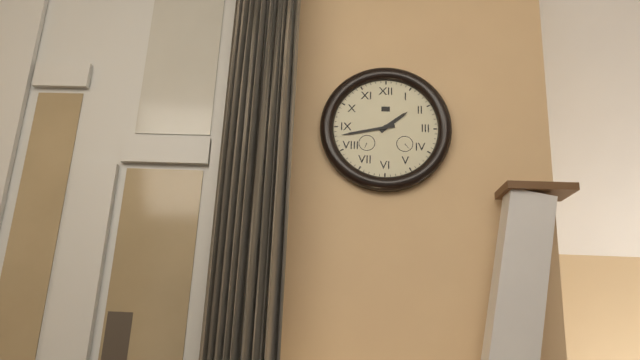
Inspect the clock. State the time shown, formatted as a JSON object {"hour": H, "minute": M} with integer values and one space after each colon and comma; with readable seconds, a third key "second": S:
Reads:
{"hour": 1, "minute": 43}
